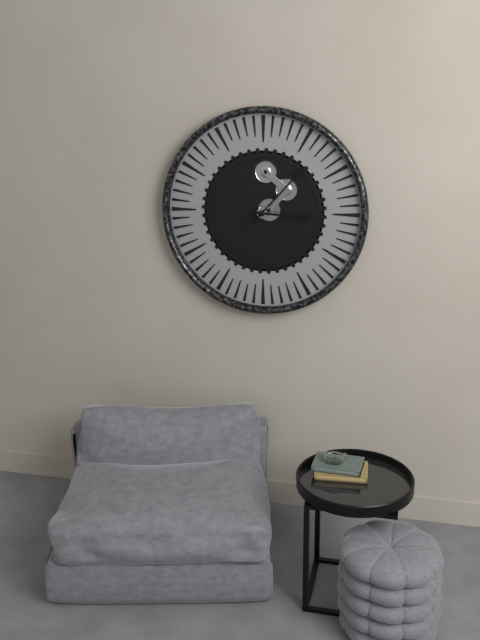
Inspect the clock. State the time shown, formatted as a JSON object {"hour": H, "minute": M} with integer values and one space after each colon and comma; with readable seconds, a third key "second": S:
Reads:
{"hour": 3, "minute": 7}
